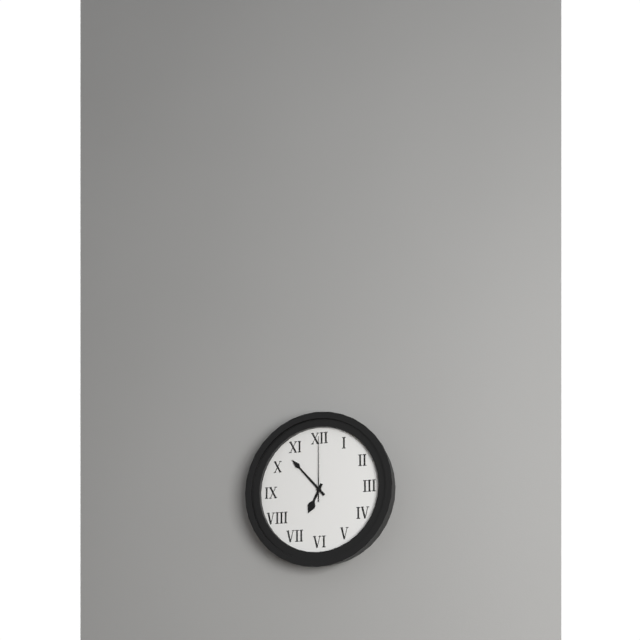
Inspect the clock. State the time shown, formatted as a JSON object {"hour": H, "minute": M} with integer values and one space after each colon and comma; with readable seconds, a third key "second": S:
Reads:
{"hour": 6, "minute": 53, "second": 0}
